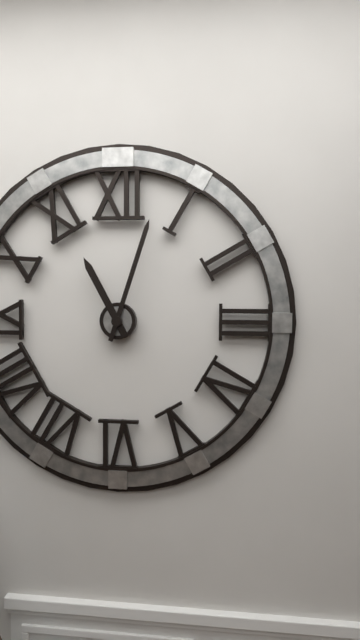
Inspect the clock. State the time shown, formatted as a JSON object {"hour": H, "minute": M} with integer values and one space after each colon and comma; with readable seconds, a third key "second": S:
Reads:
{"hour": 11, "minute": 3}
